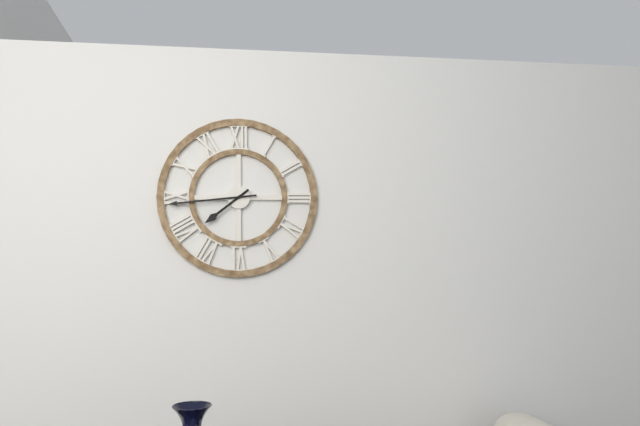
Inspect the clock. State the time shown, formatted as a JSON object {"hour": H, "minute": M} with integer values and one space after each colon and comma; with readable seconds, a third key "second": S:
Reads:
{"hour": 7, "minute": 44}
